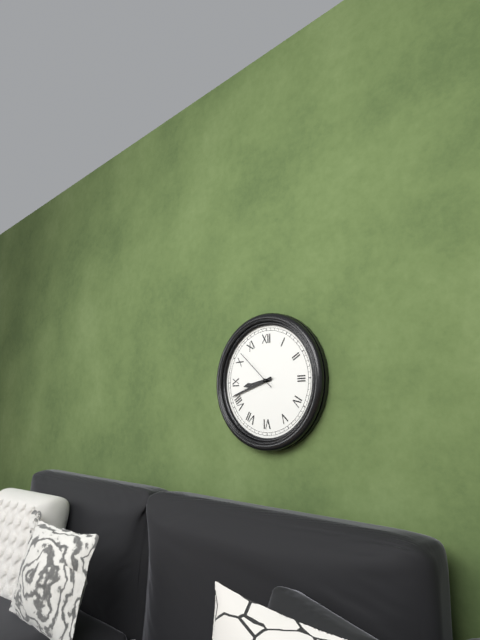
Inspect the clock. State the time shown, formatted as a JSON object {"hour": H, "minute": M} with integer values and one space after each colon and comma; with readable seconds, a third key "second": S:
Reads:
{"hour": 8, "minute": 42}
